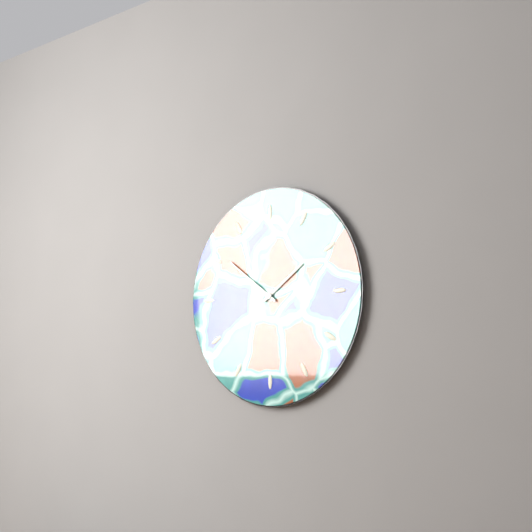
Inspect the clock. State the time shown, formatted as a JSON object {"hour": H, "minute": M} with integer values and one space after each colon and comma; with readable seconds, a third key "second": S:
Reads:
{"hour": 1, "minute": 51}
